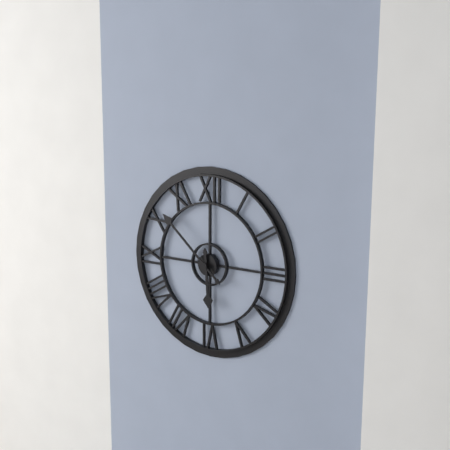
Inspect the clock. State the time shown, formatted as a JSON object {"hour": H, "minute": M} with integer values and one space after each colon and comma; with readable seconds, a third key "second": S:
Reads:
{"hour": 5, "minute": 52}
